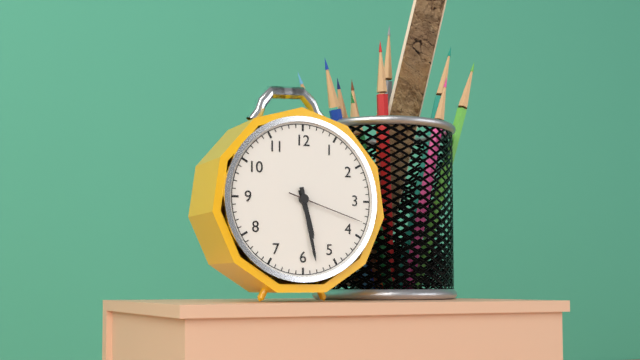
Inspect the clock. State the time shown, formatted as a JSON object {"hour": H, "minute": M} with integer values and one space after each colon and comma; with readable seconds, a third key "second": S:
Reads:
{"hour": 5, "minute": 28, "second": 18}
